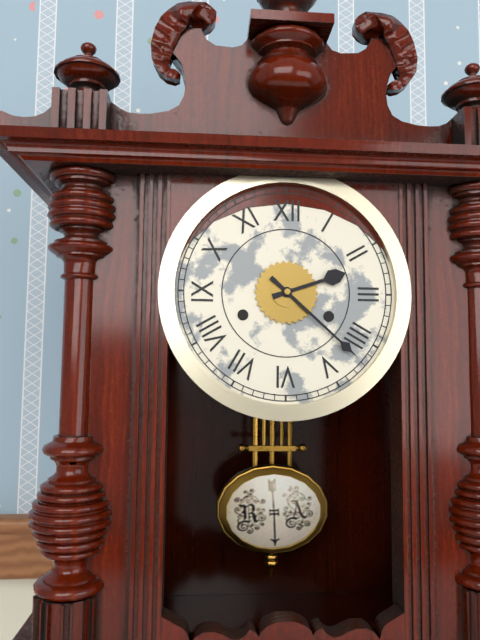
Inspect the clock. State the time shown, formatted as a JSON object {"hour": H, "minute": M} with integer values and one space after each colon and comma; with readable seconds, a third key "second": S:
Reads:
{"hour": 2, "minute": 22}
